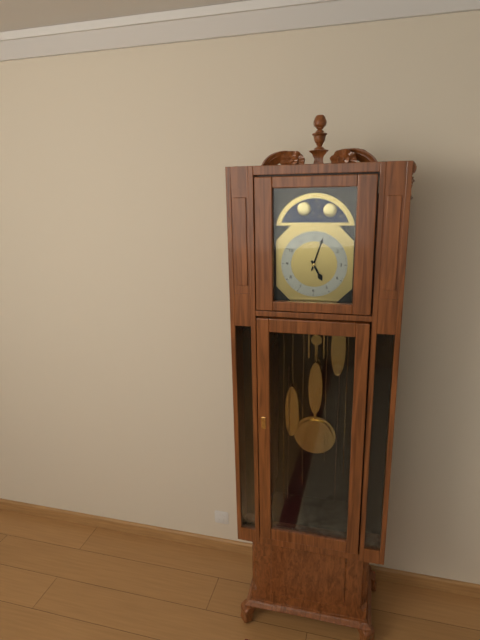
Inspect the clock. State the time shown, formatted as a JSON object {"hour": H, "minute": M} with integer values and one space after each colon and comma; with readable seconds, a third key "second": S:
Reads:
{"hour": 5, "minute": 3}
